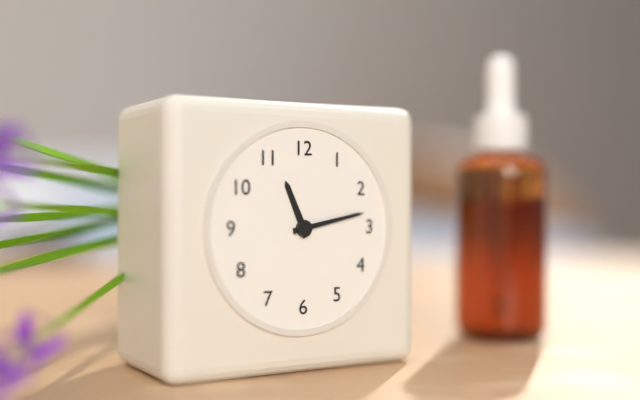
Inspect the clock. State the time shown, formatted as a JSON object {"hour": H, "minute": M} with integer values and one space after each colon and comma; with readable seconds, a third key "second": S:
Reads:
{"hour": 11, "minute": 13}
